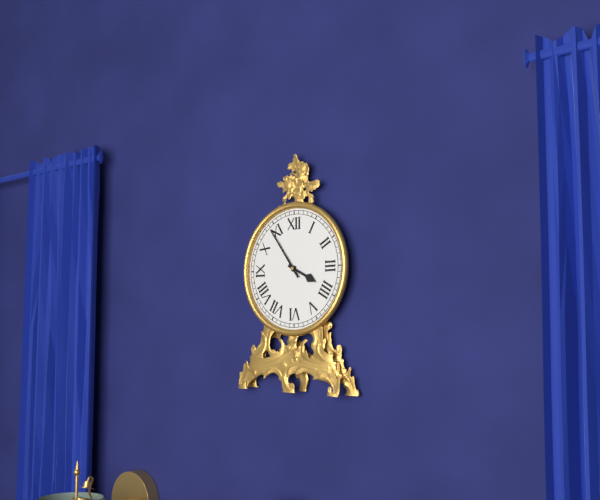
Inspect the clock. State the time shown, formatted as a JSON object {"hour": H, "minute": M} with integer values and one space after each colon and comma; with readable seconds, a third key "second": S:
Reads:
{"hour": 3, "minute": 54}
